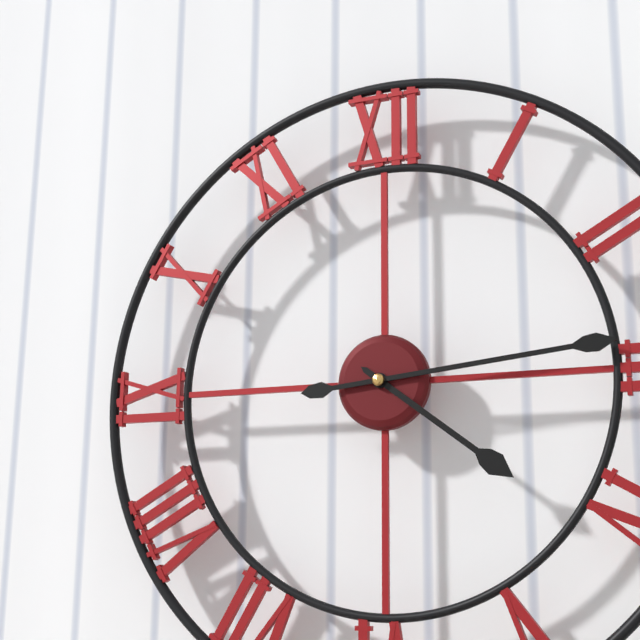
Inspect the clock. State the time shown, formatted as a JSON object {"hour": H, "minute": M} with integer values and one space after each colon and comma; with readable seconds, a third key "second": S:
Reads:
{"hour": 4, "minute": 14}
